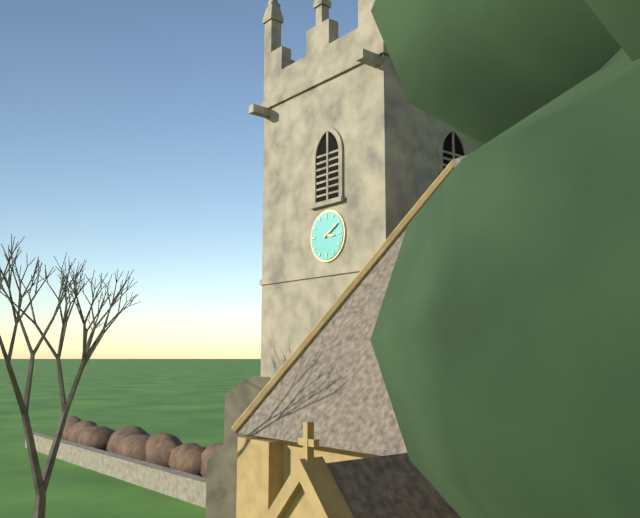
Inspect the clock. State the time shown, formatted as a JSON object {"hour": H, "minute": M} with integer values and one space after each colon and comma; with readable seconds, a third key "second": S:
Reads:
{"hour": 3, "minute": 10}
